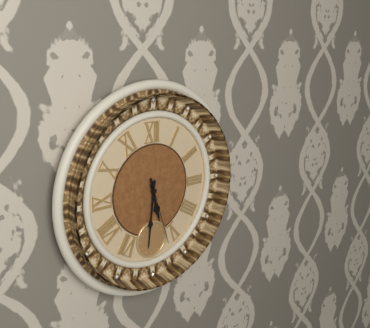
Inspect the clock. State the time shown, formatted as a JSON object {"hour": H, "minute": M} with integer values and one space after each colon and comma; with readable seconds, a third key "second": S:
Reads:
{"hour": 5, "minute": 31, "second": 27}
